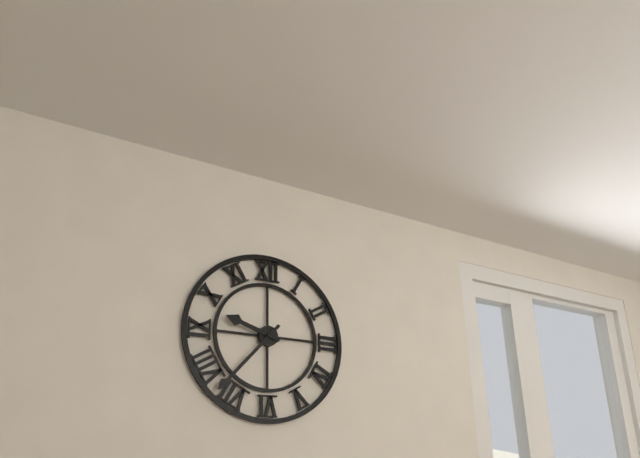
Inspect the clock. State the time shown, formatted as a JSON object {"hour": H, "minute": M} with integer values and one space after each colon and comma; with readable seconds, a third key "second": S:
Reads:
{"hour": 9, "minute": 37}
